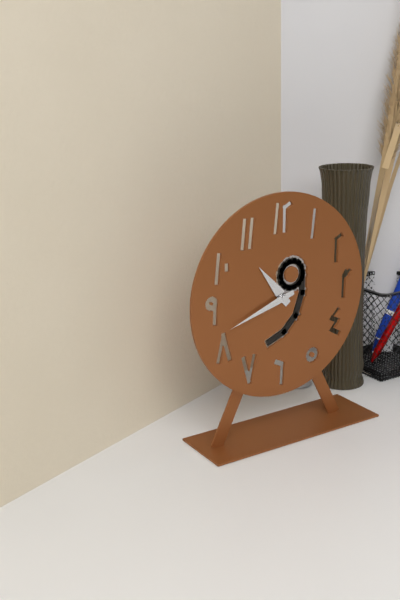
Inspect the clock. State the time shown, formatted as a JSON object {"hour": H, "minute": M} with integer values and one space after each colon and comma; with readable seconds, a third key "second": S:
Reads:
{"hour": 10, "minute": 42}
